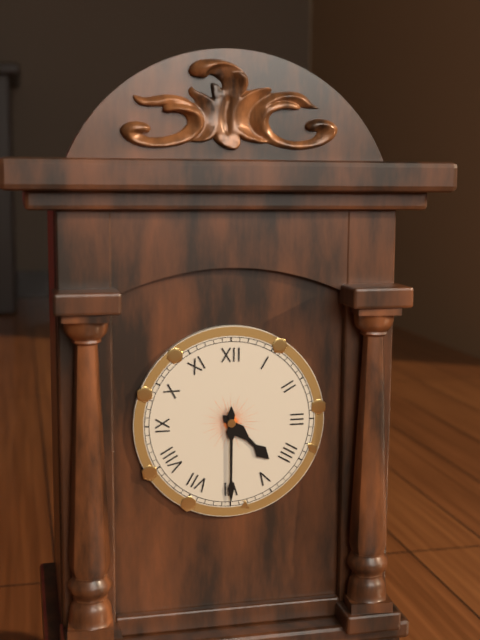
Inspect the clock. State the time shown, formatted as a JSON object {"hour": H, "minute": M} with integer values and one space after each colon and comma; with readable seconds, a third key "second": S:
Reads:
{"hour": 4, "minute": 30}
